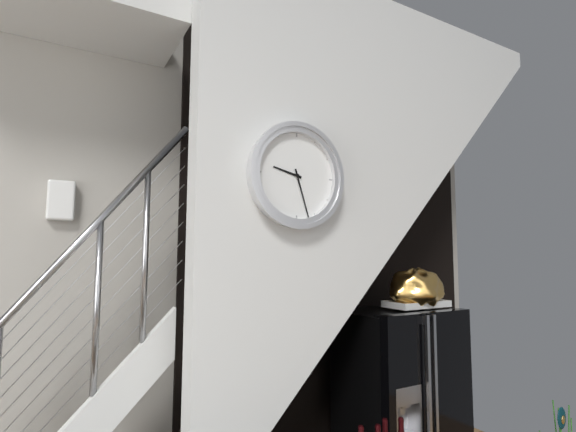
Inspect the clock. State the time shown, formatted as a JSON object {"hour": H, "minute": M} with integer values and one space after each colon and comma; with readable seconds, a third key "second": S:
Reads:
{"hour": 9, "minute": 27}
